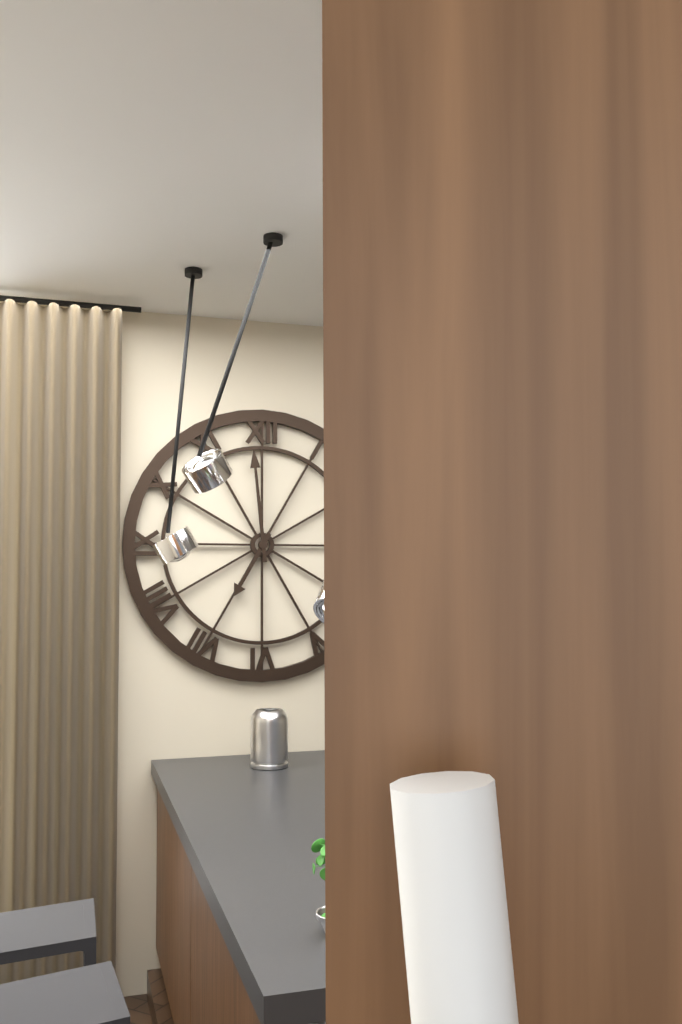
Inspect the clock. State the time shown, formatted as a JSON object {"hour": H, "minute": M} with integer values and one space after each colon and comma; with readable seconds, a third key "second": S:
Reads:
{"hour": 6, "minute": 59}
